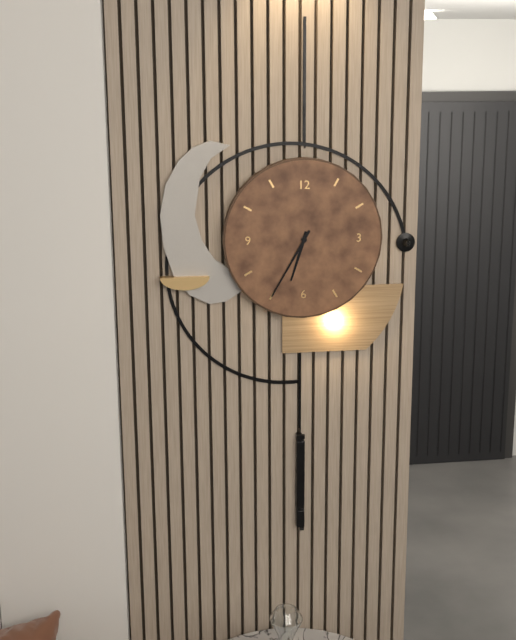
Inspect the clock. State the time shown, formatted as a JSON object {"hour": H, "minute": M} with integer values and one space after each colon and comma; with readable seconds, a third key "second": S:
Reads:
{"hour": 6, "minute": 35}
